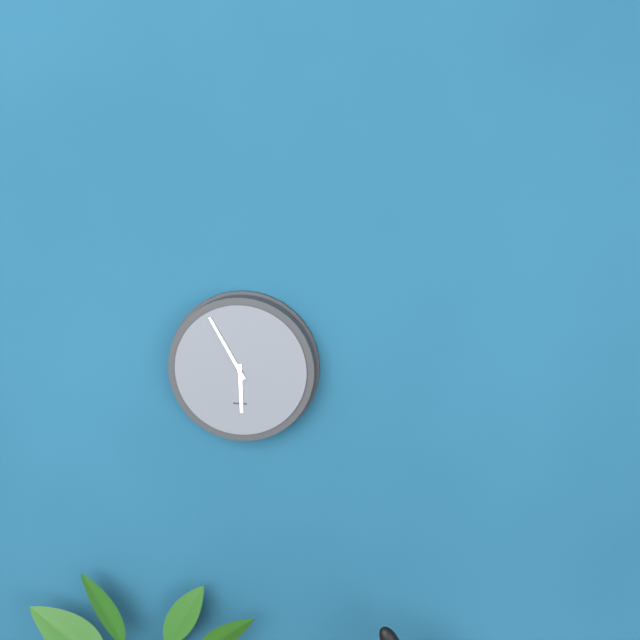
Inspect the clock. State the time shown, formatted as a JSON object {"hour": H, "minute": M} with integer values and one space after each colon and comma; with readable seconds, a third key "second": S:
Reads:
{"hour": 5, "minute": 55}
